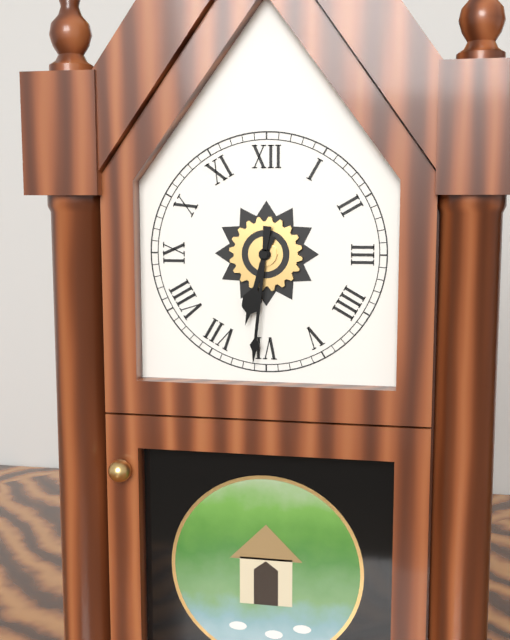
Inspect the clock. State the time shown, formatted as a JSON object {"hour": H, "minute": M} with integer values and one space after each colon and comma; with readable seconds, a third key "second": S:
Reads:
{"hour": 6, "minute": 31}
